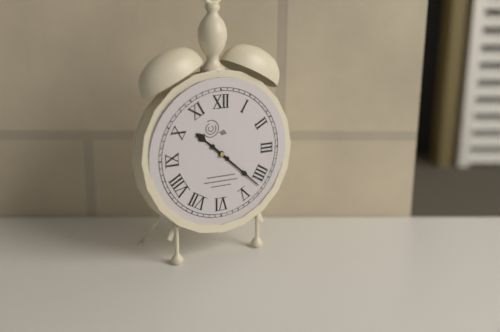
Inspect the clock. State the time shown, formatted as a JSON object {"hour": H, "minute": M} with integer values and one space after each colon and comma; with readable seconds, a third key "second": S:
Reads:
{"hour": 10, "minute": 22}
